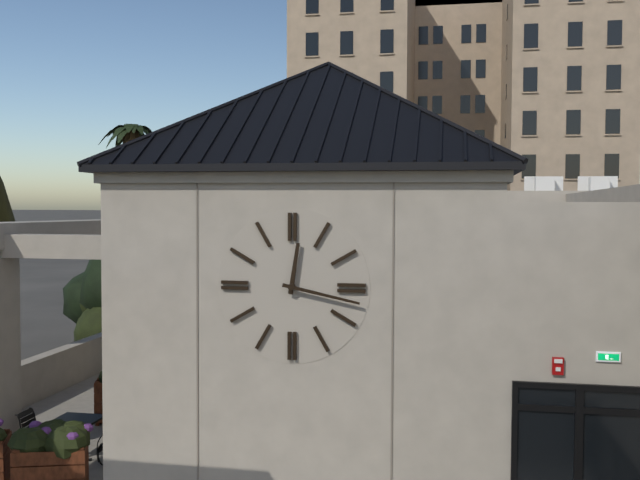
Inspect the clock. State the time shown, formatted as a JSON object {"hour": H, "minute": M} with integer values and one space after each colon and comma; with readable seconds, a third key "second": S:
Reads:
{"hour": 12, "minute": 17}
